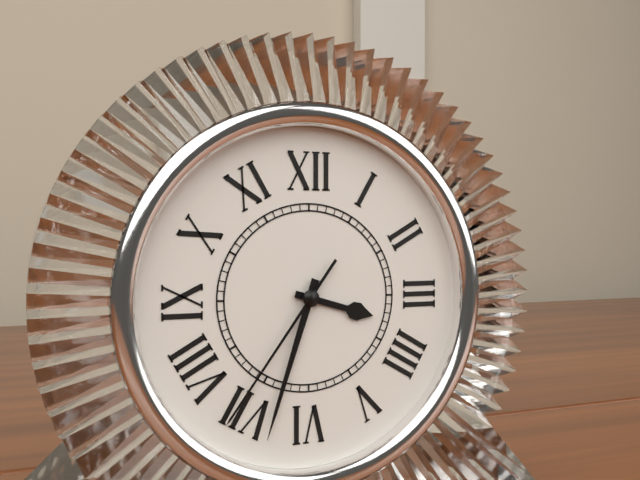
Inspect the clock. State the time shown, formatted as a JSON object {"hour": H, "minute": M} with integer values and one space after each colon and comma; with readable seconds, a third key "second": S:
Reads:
{"hour": 3, "minute": 33, "second": 36}
